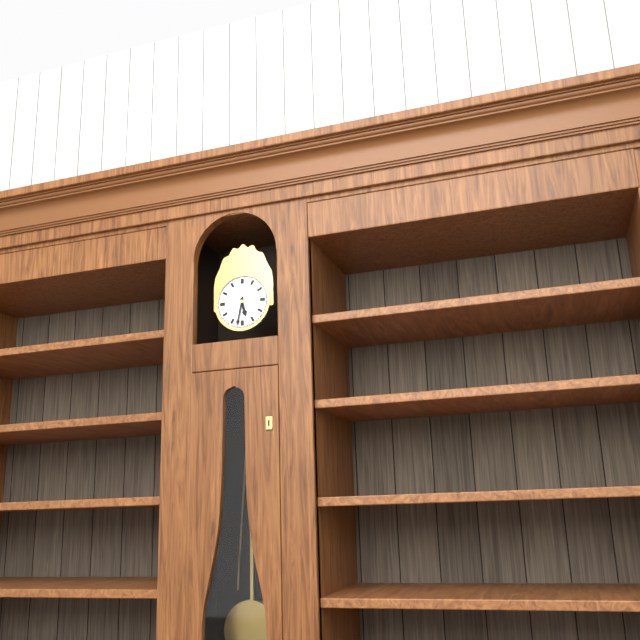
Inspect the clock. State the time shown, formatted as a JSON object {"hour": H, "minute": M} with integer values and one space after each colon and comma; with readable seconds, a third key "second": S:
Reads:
{"hour": 5, "minute": 32}
